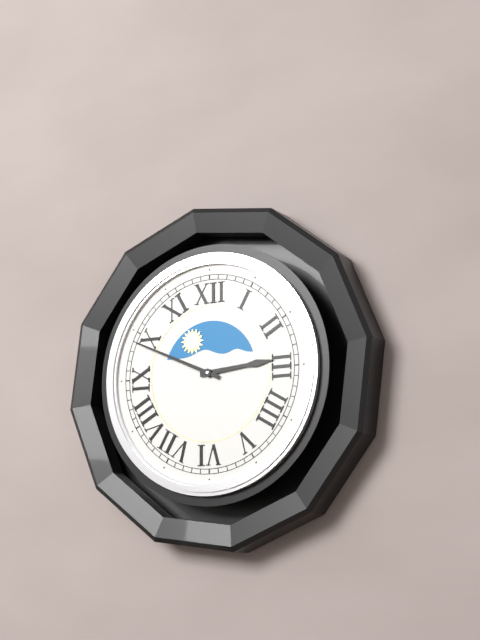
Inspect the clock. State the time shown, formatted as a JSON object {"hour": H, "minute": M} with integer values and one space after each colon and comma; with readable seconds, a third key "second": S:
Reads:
{"hour": 2, "minute": 49}
